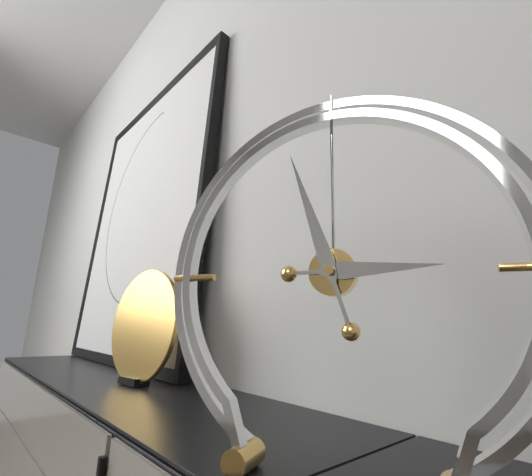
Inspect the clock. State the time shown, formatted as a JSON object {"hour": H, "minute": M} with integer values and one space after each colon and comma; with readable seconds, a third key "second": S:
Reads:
{"hour": 2, "minute": 57}
